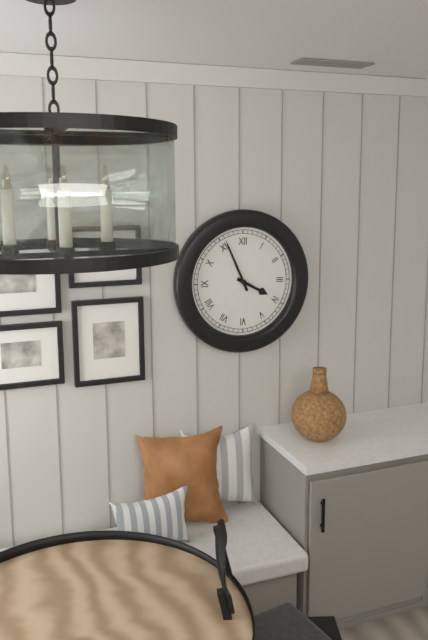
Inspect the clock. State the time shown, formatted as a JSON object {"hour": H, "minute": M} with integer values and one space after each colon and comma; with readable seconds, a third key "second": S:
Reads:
{"hour": 3, "minute": 56}
